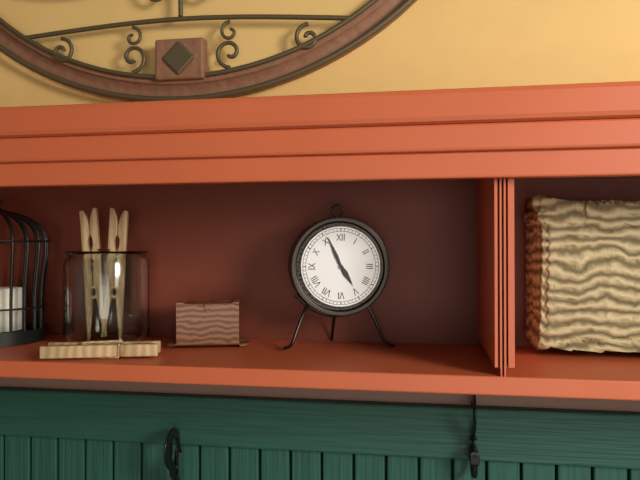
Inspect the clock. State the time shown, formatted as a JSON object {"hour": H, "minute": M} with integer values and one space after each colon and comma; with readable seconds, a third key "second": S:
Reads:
{"hour": 4, "minute": 56}
